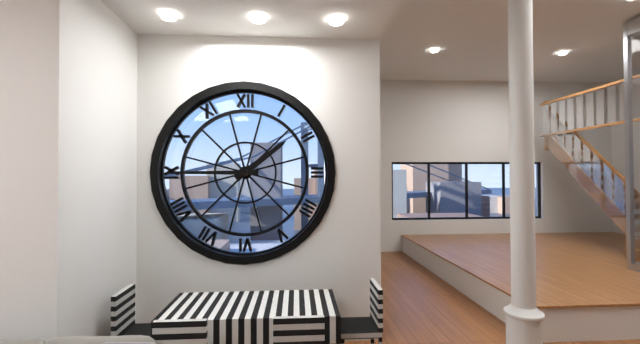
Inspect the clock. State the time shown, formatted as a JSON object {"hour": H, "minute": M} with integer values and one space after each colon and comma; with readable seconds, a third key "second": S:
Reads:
{"hour": 1, "minute": 45}
